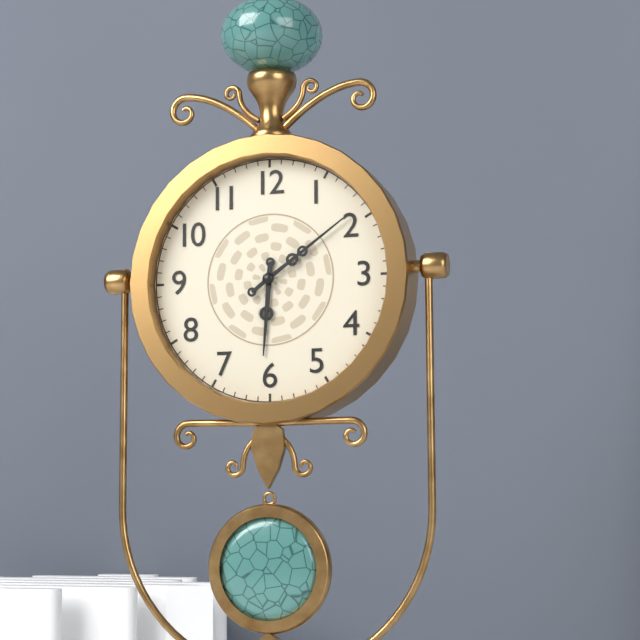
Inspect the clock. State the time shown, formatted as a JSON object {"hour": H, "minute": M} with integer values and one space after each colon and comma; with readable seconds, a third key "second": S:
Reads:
{"hour": 6, "minute": 9}
